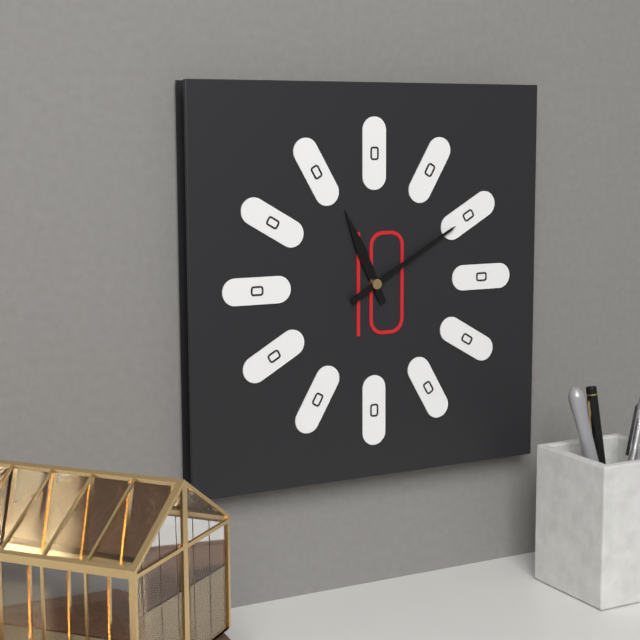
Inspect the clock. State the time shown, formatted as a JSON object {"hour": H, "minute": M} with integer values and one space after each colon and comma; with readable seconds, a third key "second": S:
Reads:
{"hour": 11, "minute": 10}
